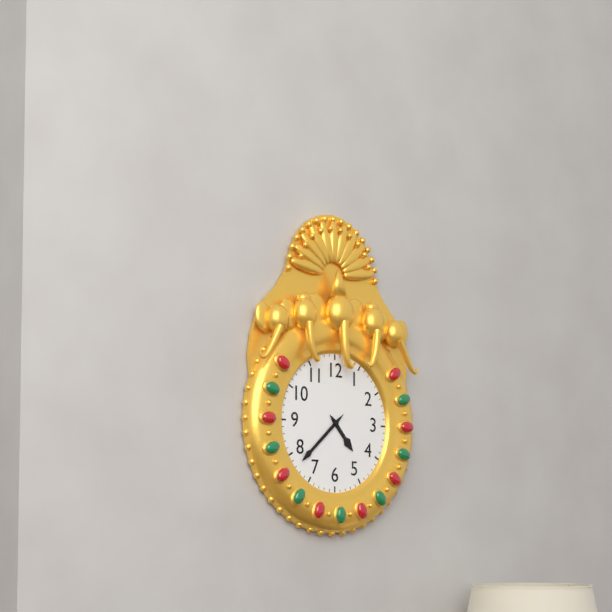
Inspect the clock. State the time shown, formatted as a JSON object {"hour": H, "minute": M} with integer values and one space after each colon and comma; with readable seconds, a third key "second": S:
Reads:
{"hour": 4, "minute": 38}
